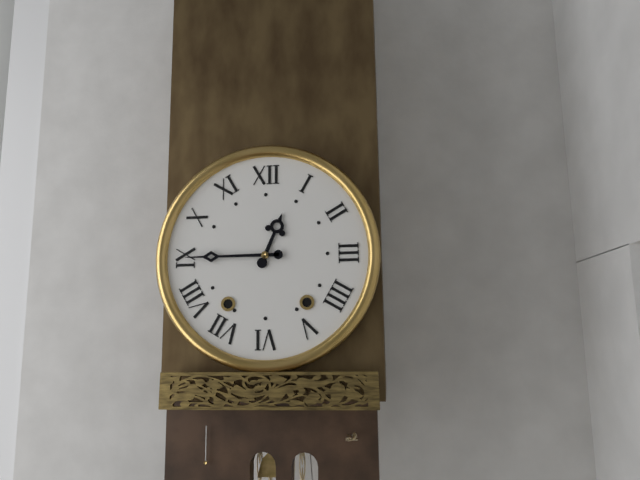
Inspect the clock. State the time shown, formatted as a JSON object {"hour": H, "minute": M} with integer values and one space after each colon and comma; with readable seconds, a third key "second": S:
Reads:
{"hour": 12, "minute": 45}
